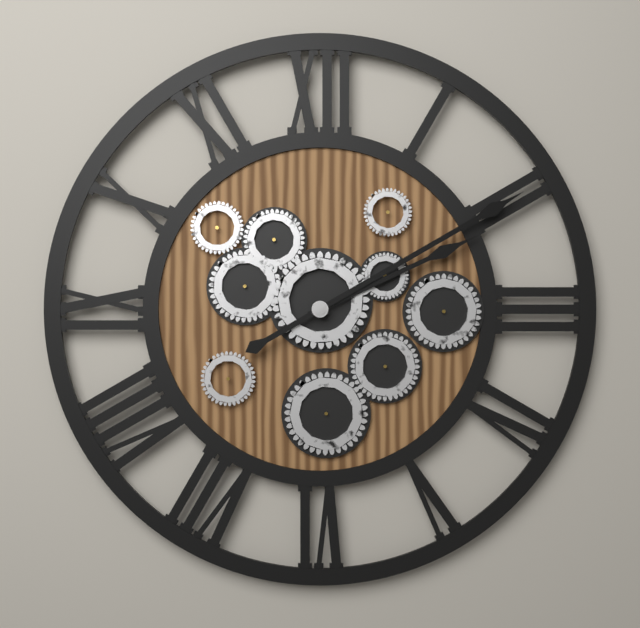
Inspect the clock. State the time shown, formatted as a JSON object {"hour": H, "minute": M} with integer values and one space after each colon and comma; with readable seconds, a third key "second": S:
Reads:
{"hour": 2, "minute": 10}
